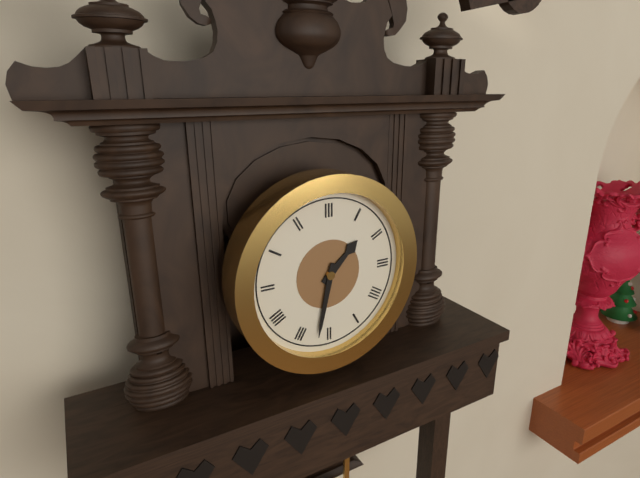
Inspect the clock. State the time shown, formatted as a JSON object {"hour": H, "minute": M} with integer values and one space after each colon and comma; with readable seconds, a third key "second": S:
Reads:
{"hour": 1, "minute": 32}
